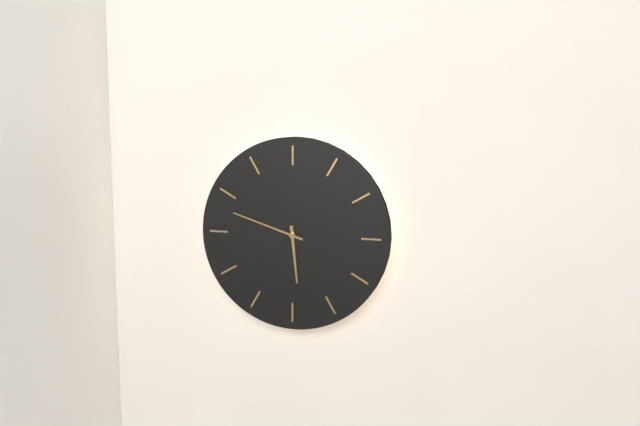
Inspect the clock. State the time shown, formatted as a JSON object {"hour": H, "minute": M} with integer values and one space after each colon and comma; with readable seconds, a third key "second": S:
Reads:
{"hour": 5, "minute": 48}
